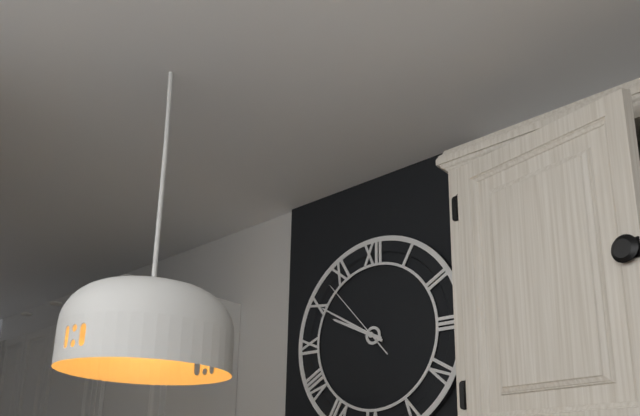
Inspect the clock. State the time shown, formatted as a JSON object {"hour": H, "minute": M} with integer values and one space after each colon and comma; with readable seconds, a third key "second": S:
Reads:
{"hour": 9, "minute": 50, "second": 53}
